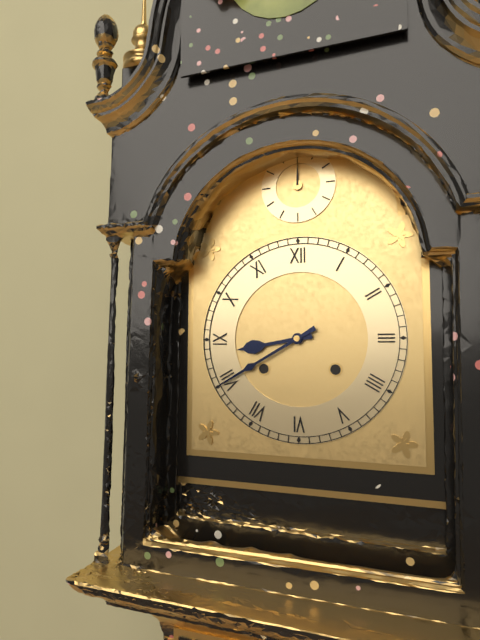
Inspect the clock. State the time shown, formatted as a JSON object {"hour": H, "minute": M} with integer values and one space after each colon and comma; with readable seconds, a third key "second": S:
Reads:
{"hour": 8, "minute": 40}
